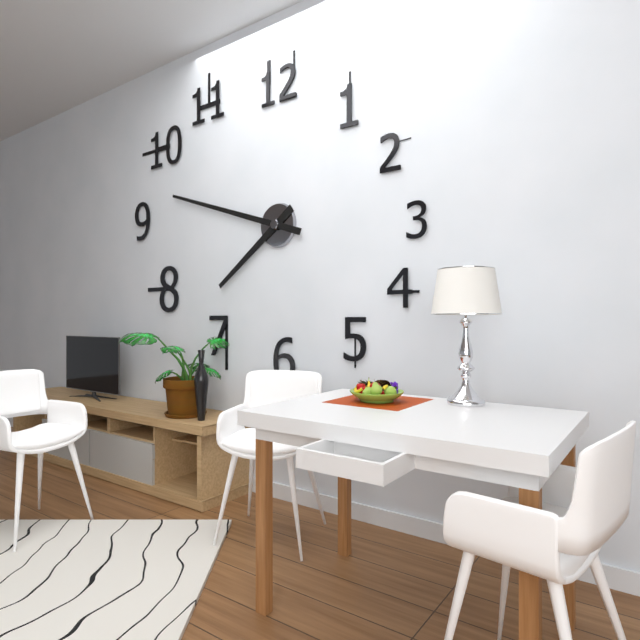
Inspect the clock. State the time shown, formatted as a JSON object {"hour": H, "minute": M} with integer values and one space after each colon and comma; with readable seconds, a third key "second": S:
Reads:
{"hour": 7, "minute": 48}
